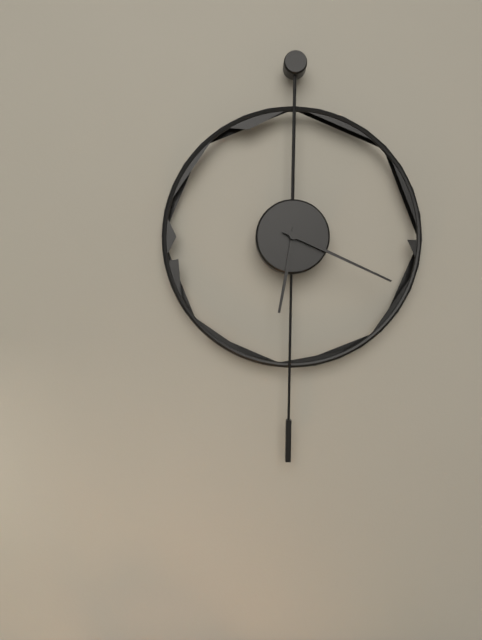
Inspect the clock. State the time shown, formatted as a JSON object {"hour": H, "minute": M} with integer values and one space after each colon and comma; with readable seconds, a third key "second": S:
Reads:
{"hour": 6, "minute": 19}
